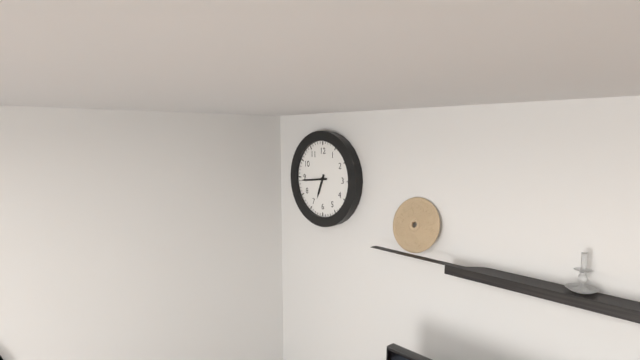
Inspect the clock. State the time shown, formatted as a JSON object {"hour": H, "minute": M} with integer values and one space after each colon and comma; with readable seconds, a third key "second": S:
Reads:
{"hour": 6, "minute": 44}
